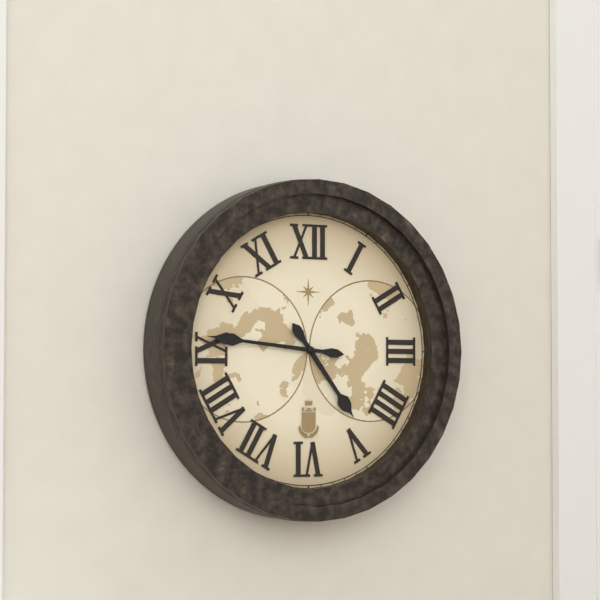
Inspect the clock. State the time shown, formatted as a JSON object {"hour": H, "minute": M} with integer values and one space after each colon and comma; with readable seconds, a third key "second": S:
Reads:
{"hour": 4, "minute": 46}
